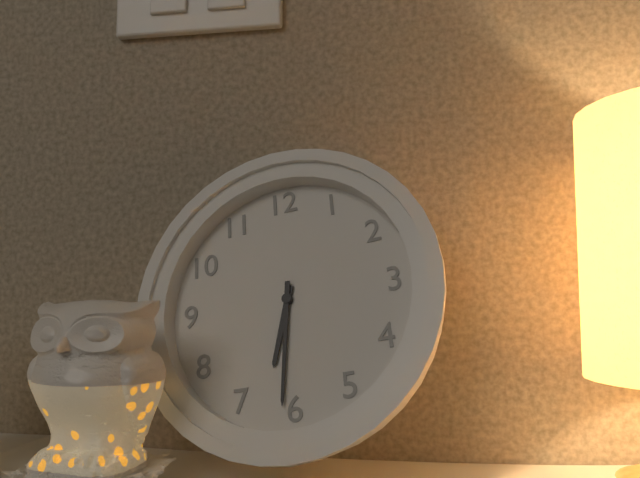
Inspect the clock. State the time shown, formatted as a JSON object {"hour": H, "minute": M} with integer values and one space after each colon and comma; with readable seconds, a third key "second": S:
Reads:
{"hour": 6, "minute": 31}
